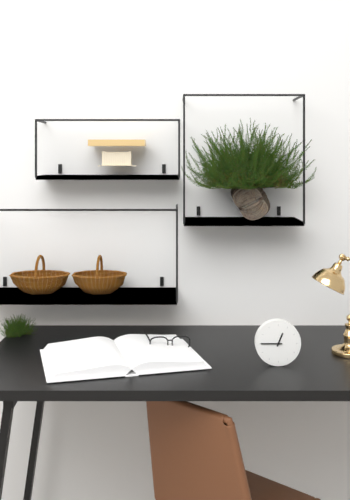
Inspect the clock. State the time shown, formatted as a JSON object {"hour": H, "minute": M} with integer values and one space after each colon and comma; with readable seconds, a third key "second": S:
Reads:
{"hour": 12, "minute": 45}
